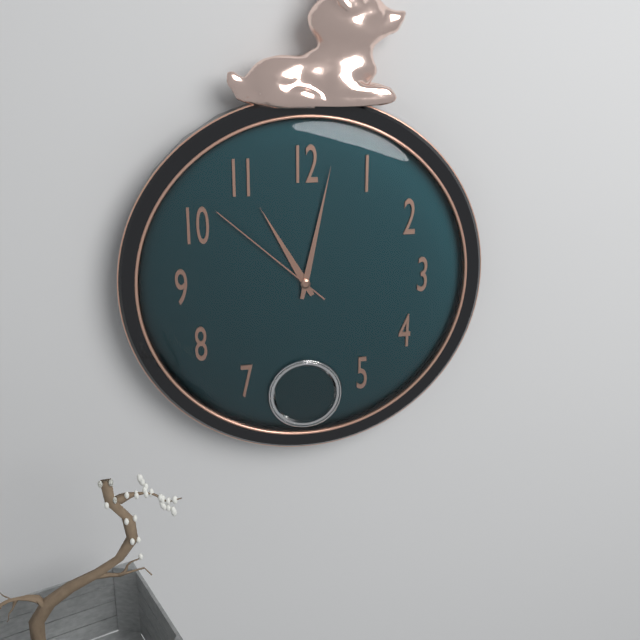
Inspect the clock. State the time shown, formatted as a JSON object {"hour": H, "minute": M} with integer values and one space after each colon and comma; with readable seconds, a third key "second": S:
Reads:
{"hour": 11, "minute": 2, "second": 52}
